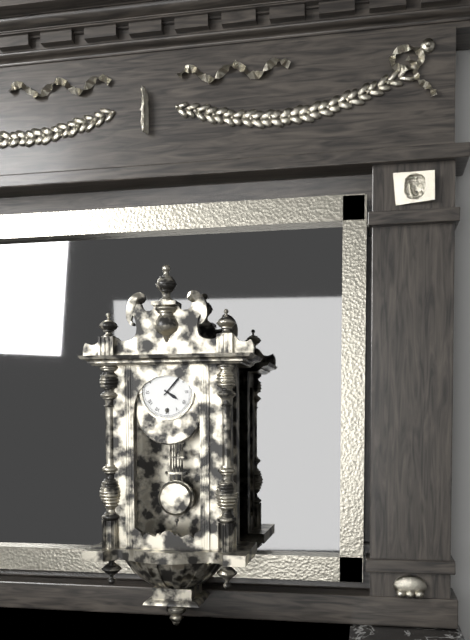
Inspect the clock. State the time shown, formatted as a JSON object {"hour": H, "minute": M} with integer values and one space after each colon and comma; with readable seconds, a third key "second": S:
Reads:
{"hour": 4, "minute": 7}
